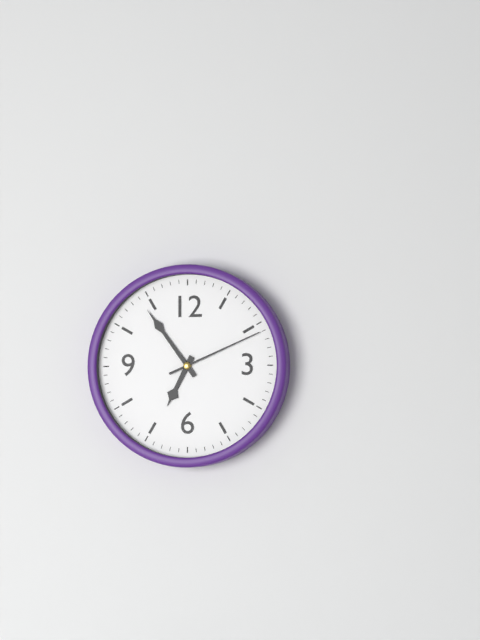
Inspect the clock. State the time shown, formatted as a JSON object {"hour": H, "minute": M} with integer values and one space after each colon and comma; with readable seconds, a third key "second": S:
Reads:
{"hour": 6, "minute": 54, "second": 11}
